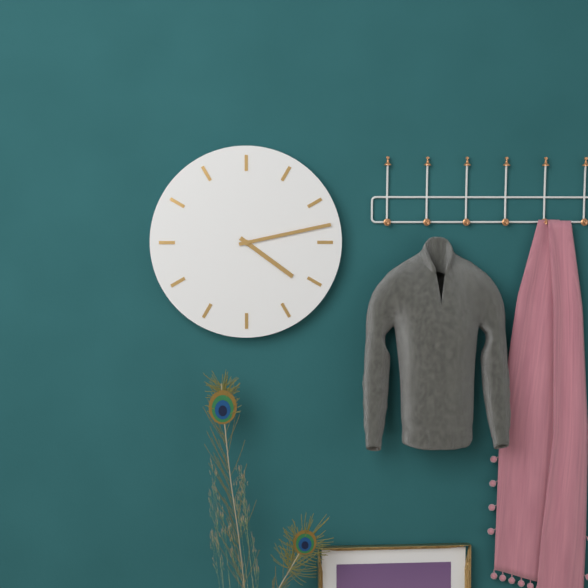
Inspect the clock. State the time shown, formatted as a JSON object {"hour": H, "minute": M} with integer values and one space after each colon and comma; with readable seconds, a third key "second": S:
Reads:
{"hour": 4, "minute": 13}
